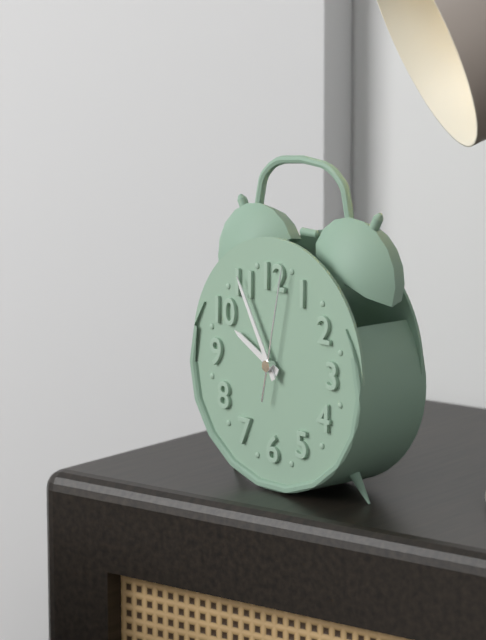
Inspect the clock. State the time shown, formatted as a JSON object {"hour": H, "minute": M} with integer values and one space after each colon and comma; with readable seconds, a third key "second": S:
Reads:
{"hour": 9, "minute": 55, "second": 2}
